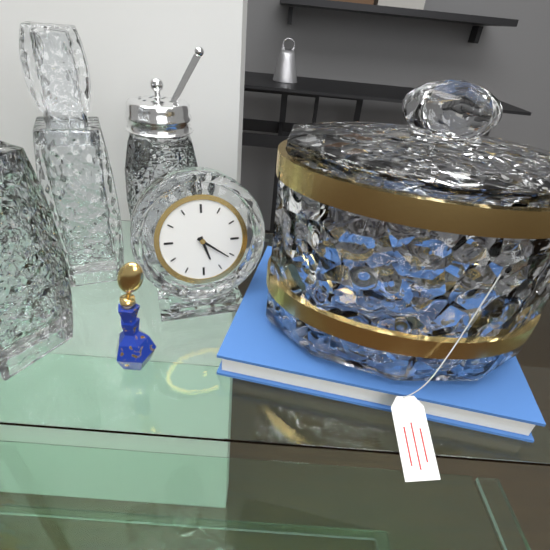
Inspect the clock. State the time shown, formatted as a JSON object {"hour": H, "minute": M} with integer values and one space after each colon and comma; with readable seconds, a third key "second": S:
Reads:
{"hour": 5, "minute": 21}
